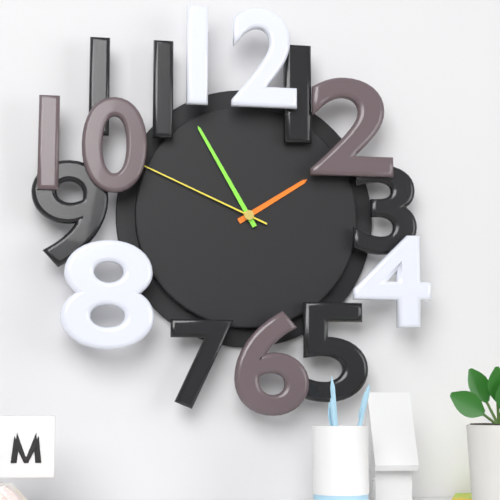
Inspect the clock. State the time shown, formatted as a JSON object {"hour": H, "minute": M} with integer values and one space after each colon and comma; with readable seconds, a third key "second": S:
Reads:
{"hour": 1, "minute": 55, "second": 49}
